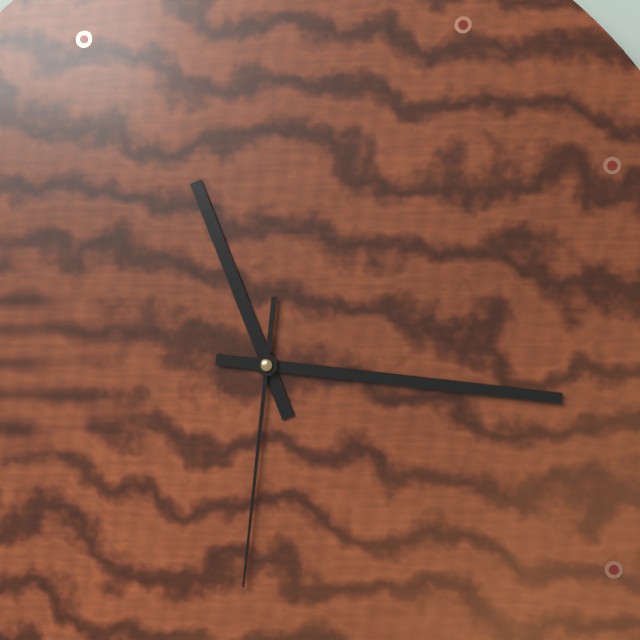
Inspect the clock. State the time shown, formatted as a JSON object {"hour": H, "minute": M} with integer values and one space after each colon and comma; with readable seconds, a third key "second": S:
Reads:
{"hour": 11, "minute": 16, "second": 31}
